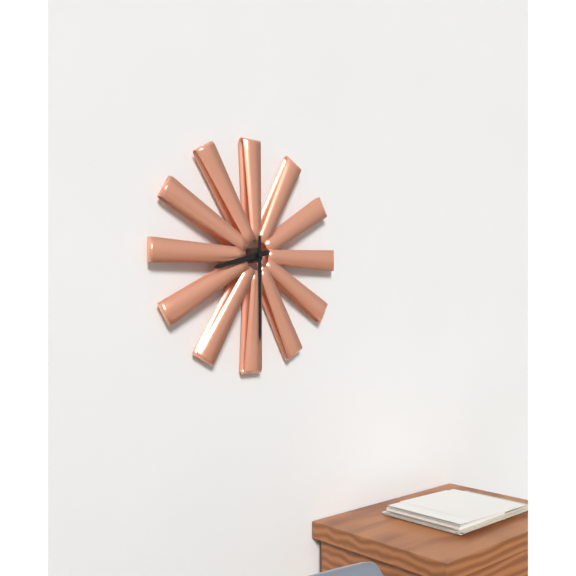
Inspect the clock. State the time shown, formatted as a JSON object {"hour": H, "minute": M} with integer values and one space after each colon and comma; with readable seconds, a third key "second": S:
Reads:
{"hour": 8, "minute": 30}
